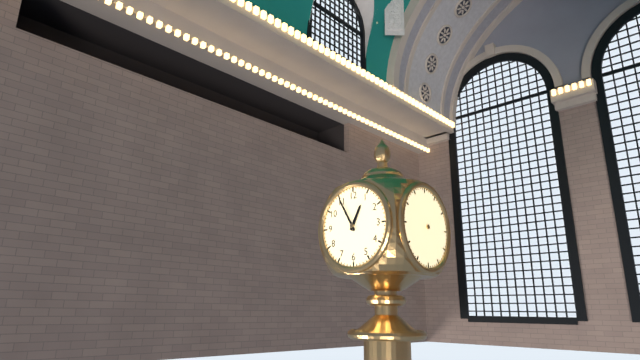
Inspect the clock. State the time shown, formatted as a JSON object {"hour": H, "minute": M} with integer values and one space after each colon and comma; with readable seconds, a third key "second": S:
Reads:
{"hour": 12, "minute": 55}
